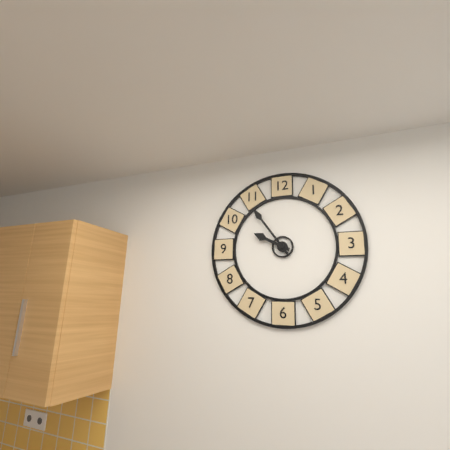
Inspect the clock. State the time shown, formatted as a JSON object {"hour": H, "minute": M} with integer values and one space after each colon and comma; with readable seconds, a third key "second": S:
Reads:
{"hour": 9, "minute": 54}
